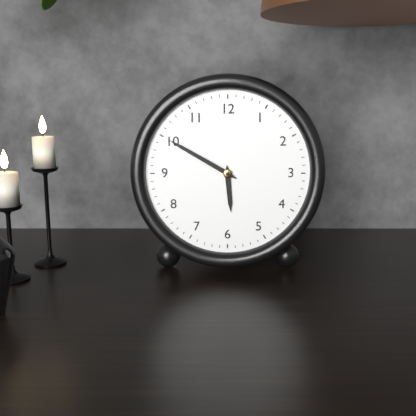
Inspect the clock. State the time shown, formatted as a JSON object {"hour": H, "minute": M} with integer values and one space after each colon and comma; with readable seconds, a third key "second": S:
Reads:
{"hour": 5, "minute": 50}
